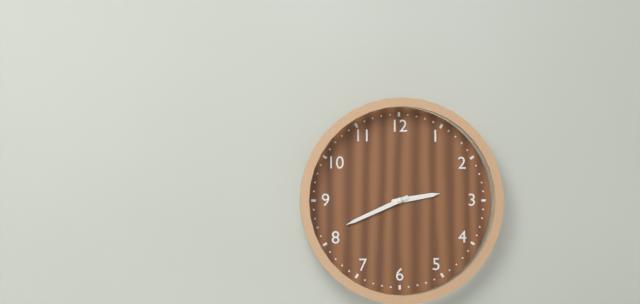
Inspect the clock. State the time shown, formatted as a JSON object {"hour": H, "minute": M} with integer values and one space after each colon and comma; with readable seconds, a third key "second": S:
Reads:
{"hour": 2, "minute": 41}
